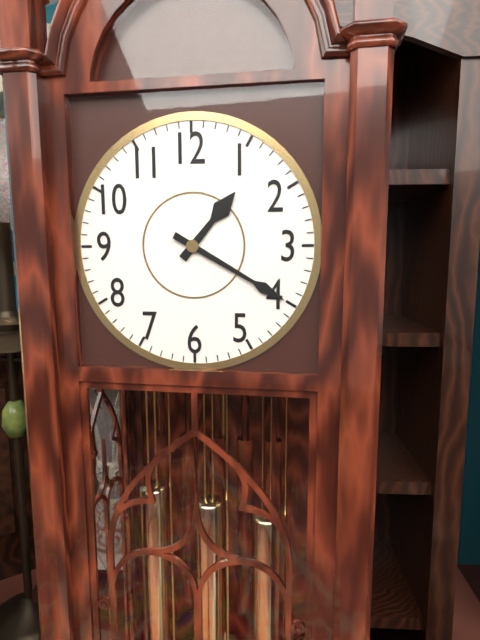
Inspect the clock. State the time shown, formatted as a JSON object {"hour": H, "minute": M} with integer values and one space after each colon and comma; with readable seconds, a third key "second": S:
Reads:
{"hour": 1, "minute": 20}
